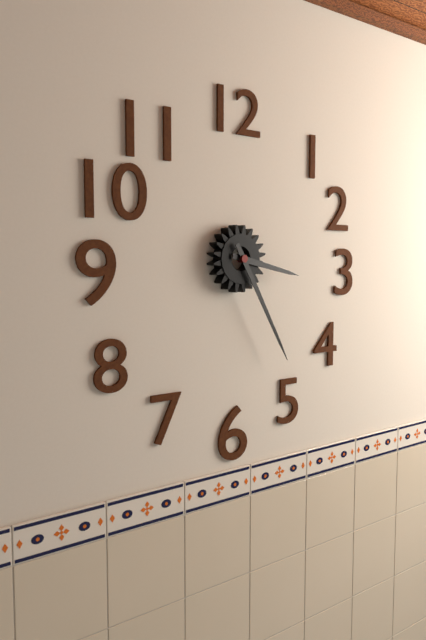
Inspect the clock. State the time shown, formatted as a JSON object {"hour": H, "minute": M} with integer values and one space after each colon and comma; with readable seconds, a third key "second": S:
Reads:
{"hour": 3, "minute": 25}
